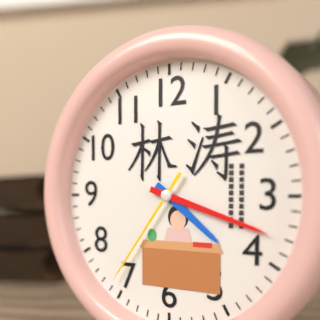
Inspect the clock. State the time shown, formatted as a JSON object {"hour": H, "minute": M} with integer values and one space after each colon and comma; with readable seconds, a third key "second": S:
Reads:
{"hour": 4, "minute": 18, "second": 36}
